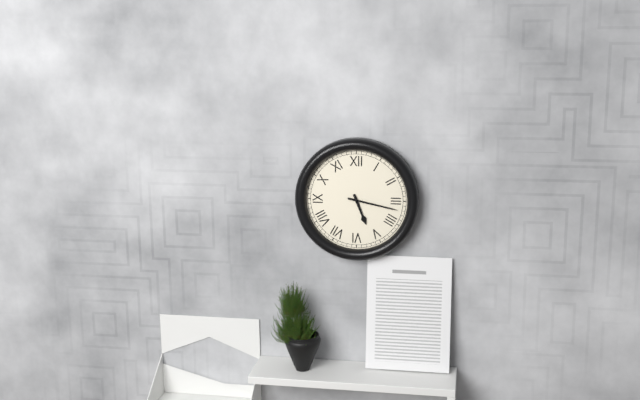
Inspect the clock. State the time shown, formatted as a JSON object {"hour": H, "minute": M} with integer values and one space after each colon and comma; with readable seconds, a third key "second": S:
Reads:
{"hour": 5, "minute": 17}
